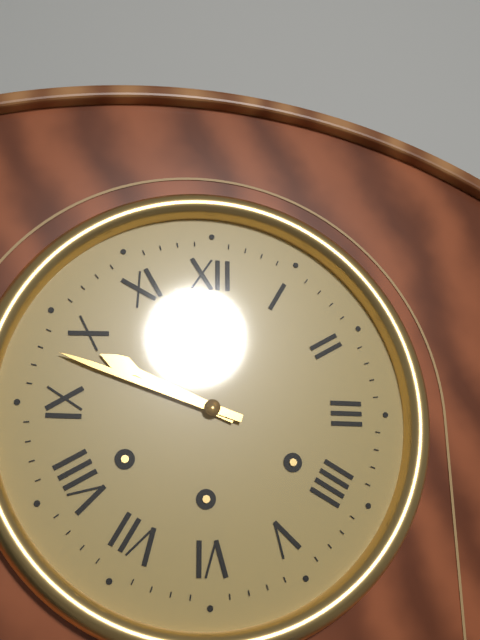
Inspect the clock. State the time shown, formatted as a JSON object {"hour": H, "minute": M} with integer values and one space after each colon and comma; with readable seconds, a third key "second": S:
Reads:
{"hour": 9, "minute": 48}
